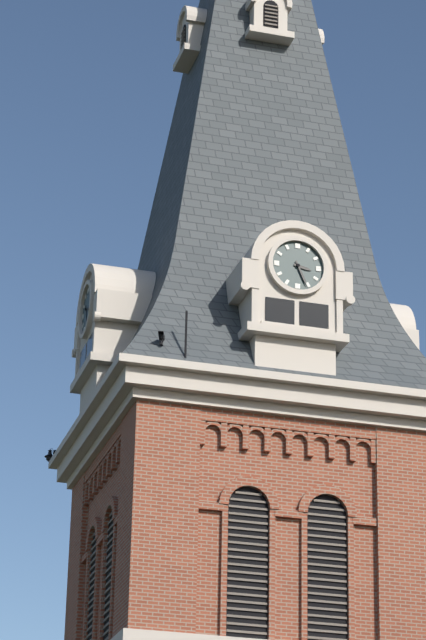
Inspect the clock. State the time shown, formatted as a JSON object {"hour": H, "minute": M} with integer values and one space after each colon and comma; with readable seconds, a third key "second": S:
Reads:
{"hour": 3, "minute": 26}
